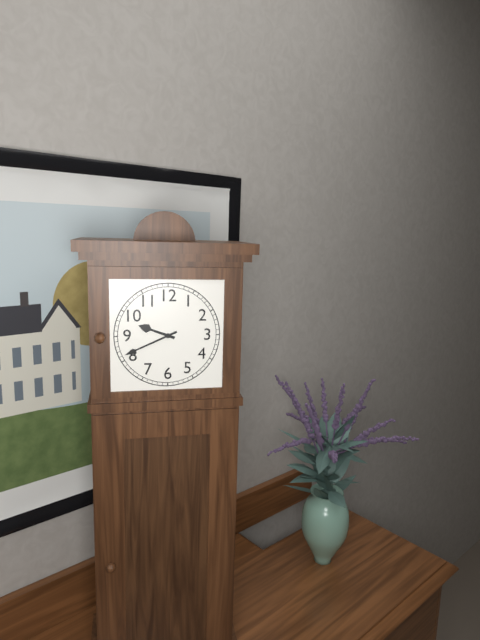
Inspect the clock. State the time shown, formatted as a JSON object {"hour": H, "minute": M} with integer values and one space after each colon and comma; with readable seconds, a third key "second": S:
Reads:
{"hour": 9, "minute": 41}
